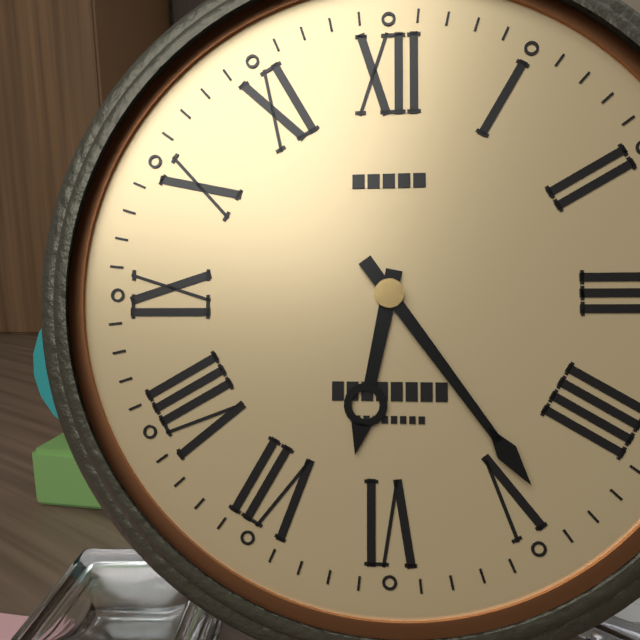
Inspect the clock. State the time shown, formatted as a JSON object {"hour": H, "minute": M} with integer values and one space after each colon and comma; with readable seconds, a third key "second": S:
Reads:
{"hour": 6, "minute": 24}
